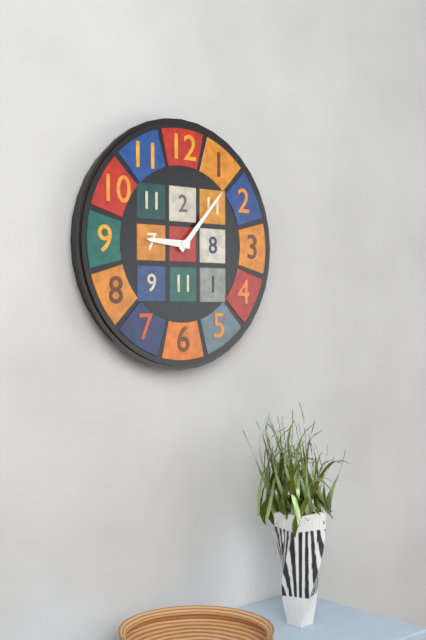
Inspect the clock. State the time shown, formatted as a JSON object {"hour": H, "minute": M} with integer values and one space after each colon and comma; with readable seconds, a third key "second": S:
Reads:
{"hour": 9, "minute": 7}
